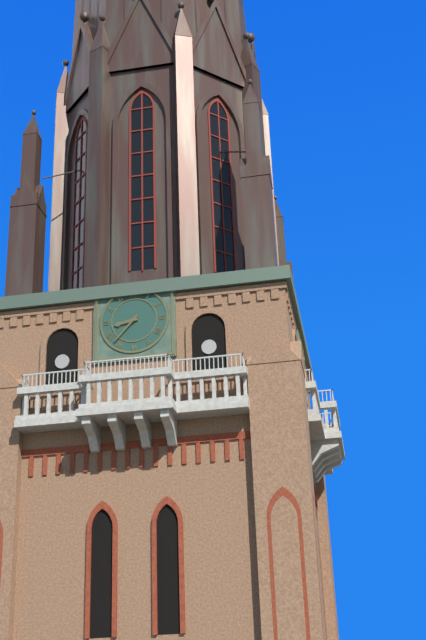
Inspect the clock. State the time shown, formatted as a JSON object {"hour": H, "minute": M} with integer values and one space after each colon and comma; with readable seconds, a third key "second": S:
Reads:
{"hour": 8, "minute": 37}
